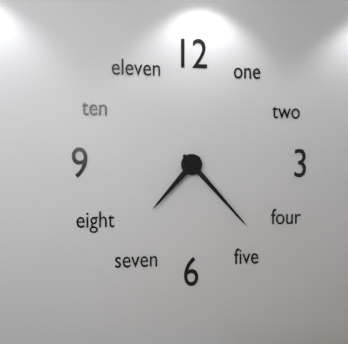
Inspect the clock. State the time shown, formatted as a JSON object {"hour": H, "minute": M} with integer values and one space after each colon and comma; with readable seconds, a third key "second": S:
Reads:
{"hour": 7, "minute": 23}
